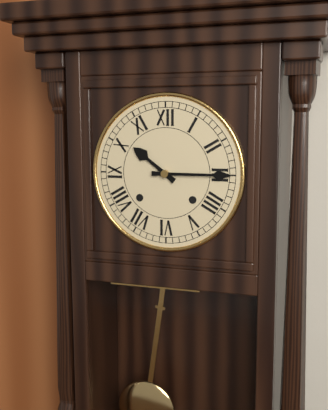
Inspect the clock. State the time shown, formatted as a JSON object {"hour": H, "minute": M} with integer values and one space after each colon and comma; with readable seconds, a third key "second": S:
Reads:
{"hour": 10, "minute": 15}
